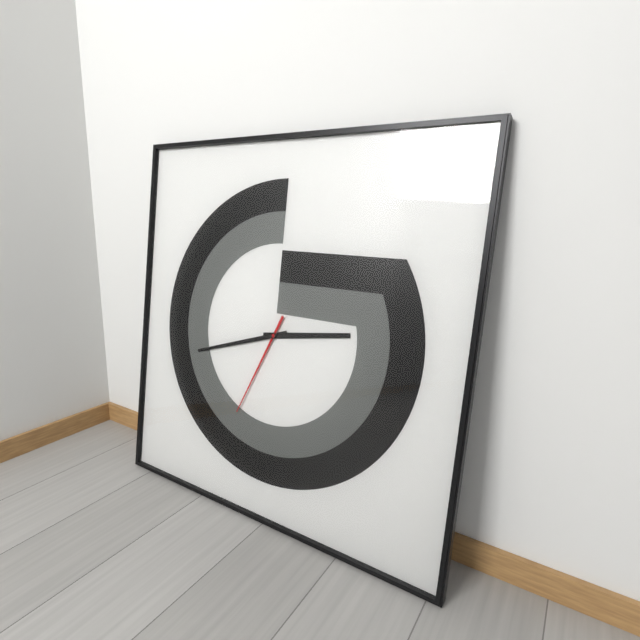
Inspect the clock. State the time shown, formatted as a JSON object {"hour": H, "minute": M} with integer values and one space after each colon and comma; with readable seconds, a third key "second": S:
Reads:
{"hour": 2, "minute": 42, "second": 34}
